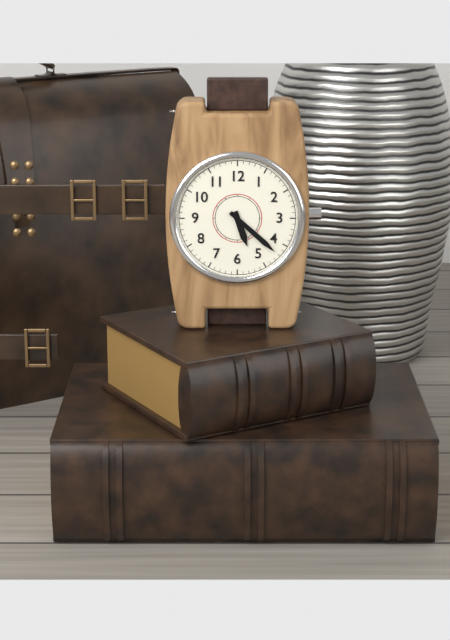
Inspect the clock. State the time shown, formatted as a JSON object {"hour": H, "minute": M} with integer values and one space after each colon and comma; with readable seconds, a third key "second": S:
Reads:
{"hour": 5, "minute": 22}
